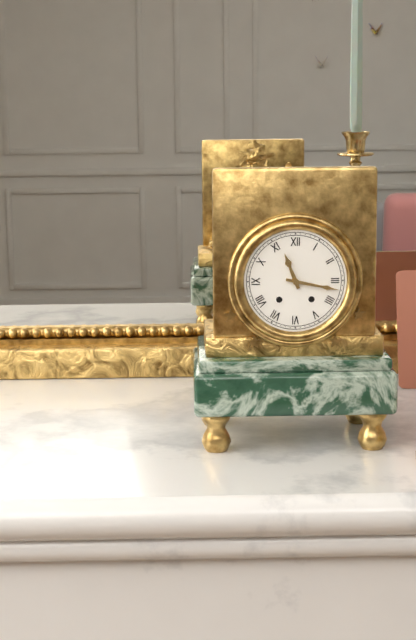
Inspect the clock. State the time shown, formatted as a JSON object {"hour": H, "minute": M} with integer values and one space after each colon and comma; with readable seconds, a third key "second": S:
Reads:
{"hour": 11, "minute": 17}
